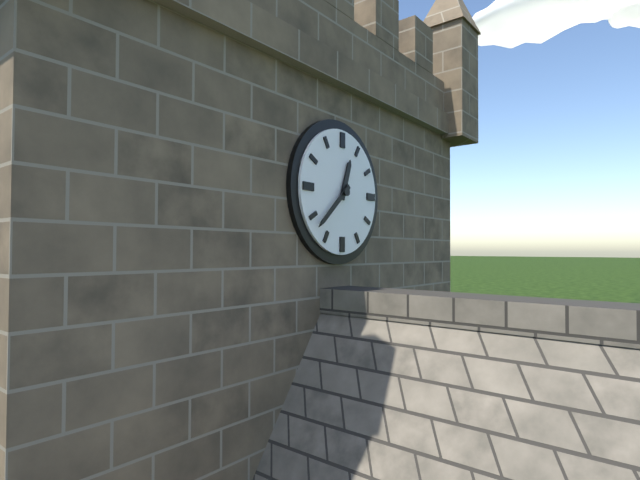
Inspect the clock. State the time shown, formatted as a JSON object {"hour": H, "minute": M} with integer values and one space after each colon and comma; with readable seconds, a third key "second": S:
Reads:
{"hour": 12, "minute": 38}
